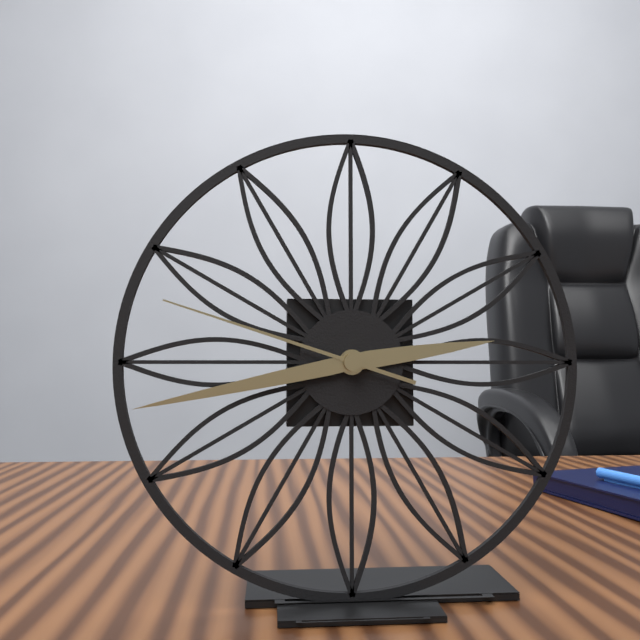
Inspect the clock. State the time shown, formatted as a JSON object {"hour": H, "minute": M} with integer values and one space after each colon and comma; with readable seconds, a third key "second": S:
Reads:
{"hour": 2, "minute": 43, "second": 48}
